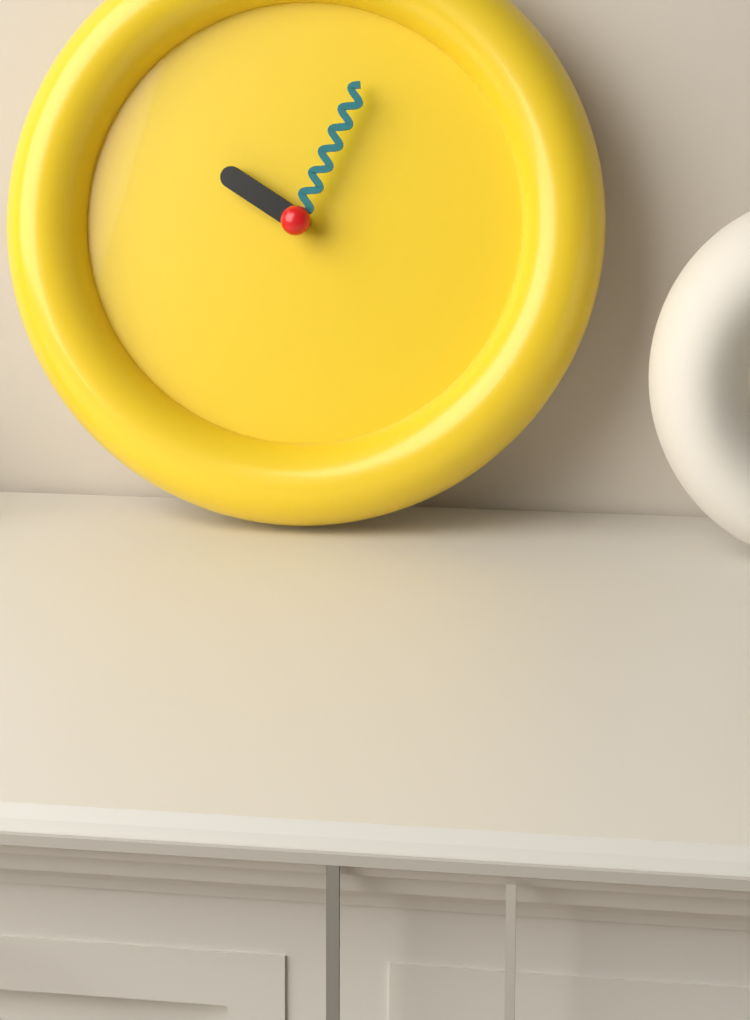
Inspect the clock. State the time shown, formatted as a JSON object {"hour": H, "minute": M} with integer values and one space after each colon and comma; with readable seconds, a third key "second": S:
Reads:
{"hour": 10, "minute": 4}
